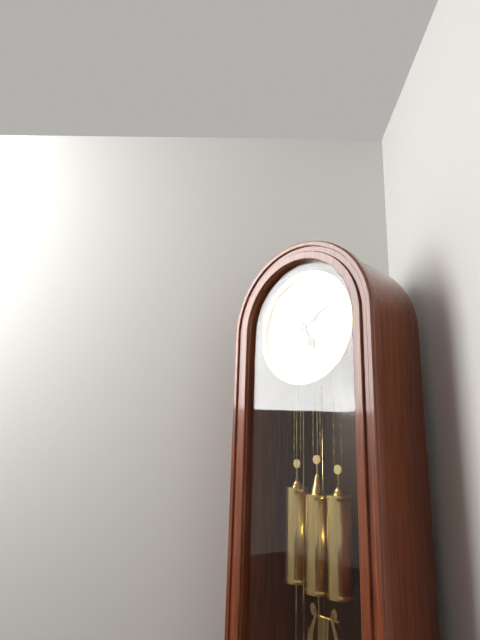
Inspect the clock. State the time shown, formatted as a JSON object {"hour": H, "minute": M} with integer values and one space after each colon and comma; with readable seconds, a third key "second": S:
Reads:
{"hour": 5, "minute": 10}
